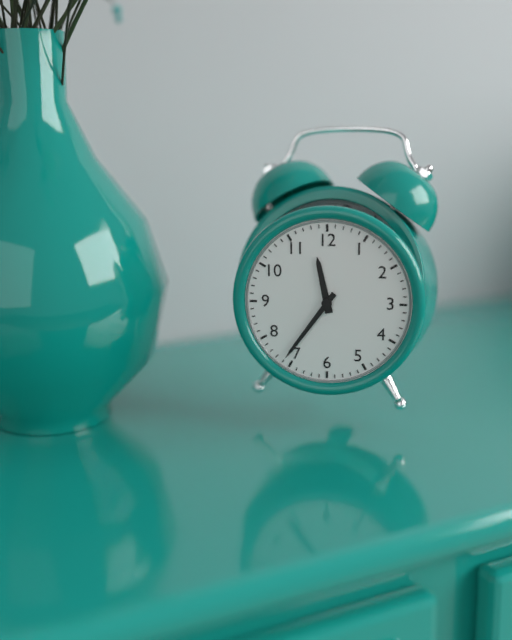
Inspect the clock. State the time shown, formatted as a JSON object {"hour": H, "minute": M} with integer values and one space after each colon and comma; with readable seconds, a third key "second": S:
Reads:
{"hour": 11, "minute": 36}
